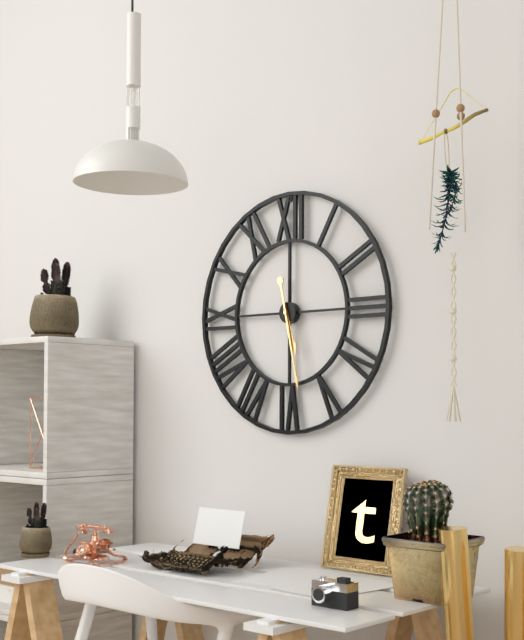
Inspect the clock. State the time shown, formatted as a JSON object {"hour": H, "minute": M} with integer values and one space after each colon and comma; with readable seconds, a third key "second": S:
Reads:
{"hour": 5, "minute": 28}
